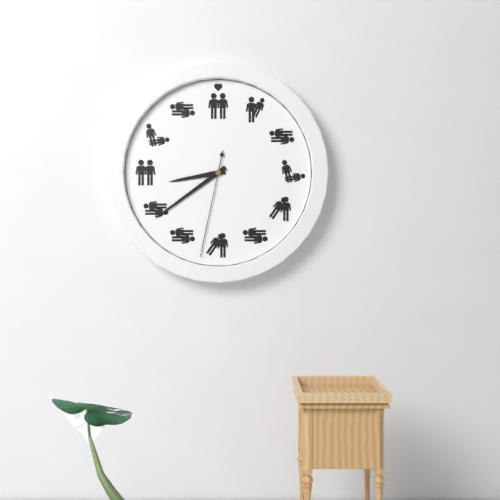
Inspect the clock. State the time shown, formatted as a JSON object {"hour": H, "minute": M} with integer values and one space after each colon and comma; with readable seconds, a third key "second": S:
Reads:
{"hour": 8, "minute": 39, "second": 32}
